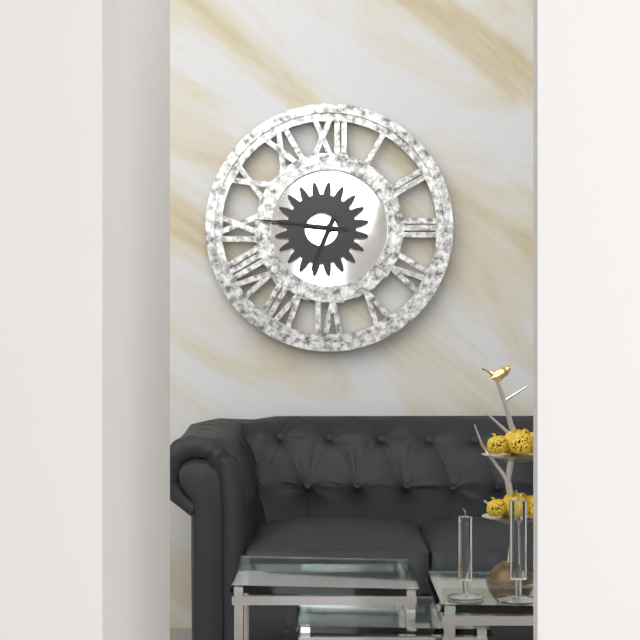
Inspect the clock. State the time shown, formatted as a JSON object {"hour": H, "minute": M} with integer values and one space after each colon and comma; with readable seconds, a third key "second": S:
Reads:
{"hour": 6, "minute": 46}
